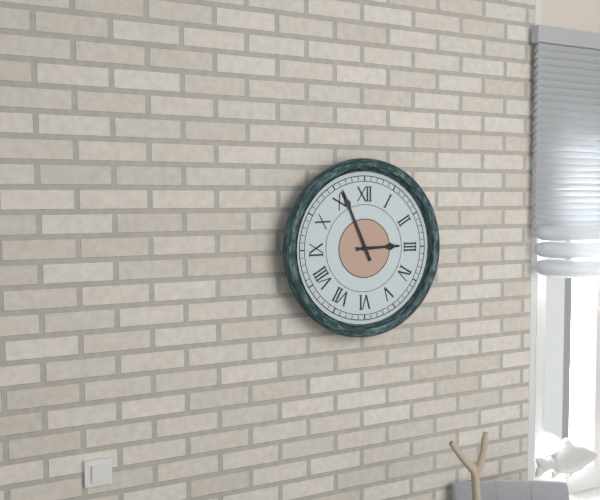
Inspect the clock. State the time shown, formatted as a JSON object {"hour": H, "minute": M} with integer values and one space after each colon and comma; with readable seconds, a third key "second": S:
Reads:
{"hour": 2, "minute": 56}
